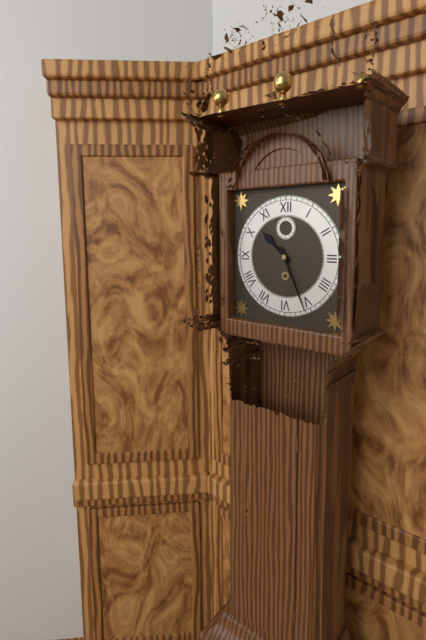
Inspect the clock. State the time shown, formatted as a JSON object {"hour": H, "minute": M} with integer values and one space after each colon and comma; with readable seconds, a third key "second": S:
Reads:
{"hour": 10, "minute": 26}
